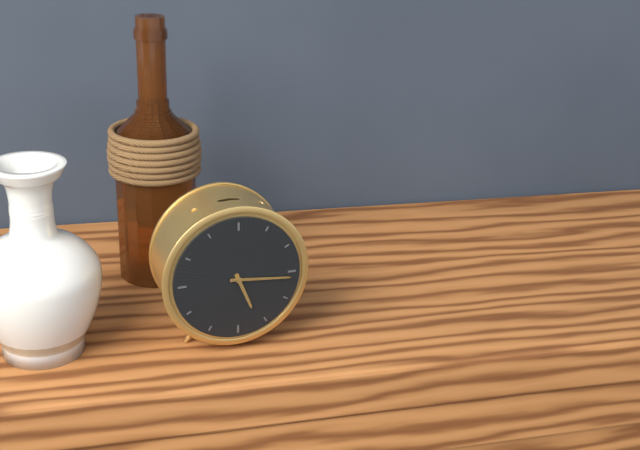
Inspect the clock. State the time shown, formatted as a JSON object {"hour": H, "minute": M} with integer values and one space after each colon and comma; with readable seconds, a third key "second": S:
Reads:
{"hour": 5, "minute": 16}
